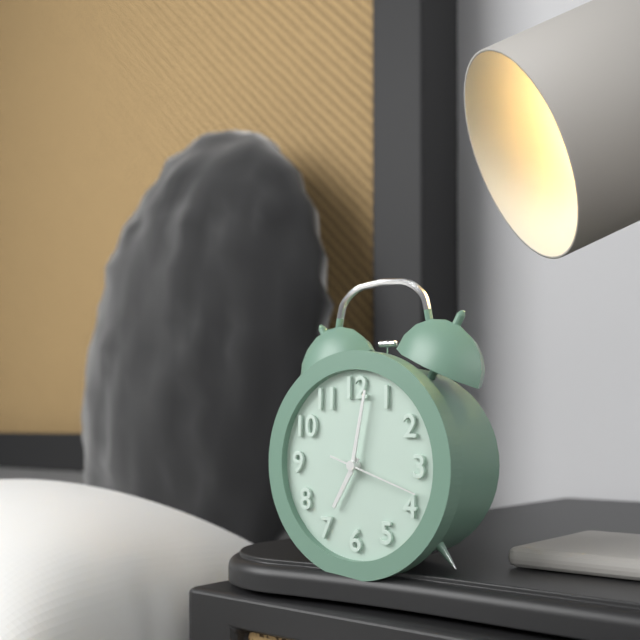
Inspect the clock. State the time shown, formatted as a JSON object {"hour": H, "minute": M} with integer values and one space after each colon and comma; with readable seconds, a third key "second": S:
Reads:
{"hour": 7, "minute": 2, "second": 18}
